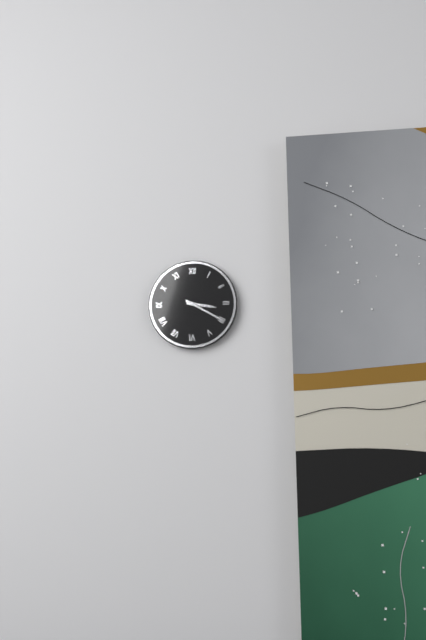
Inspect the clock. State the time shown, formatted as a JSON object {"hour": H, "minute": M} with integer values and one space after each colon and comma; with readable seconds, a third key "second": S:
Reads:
{"hour": 3, "minute": 20}
